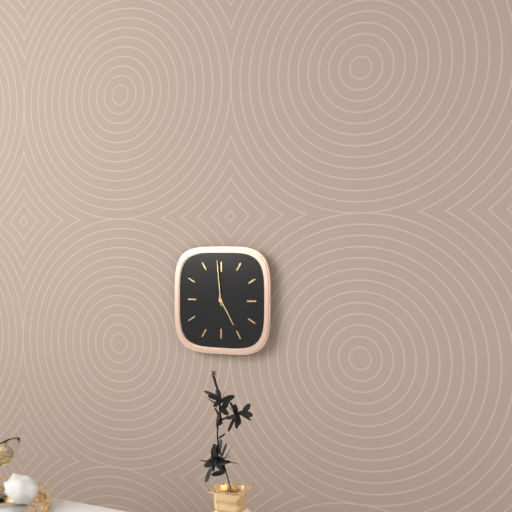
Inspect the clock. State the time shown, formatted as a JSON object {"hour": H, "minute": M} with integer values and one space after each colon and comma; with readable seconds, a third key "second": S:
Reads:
{"hour": 4, "minute": 59}
